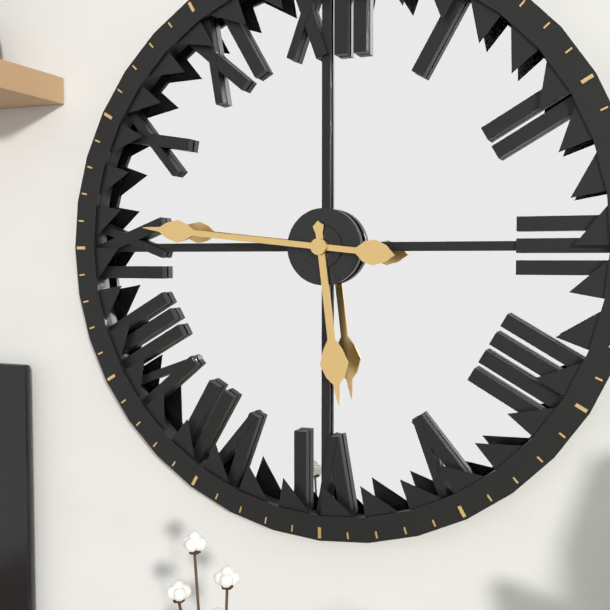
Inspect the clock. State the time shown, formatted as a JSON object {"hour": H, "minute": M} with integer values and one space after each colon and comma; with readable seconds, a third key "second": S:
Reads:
{"hour": 5, "minute": 46}
